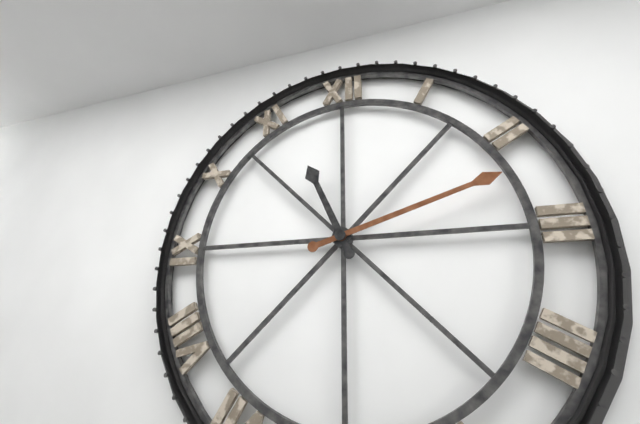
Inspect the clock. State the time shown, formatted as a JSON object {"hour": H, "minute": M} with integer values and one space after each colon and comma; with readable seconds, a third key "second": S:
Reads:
{"hour": 11, "minute": 12}
